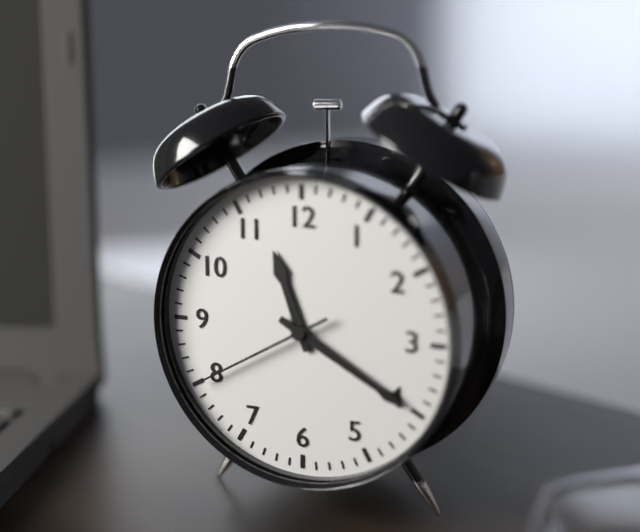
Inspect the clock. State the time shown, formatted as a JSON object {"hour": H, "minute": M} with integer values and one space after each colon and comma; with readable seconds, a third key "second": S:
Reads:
{"hour": 11, "minute": 20, "second": 40}
